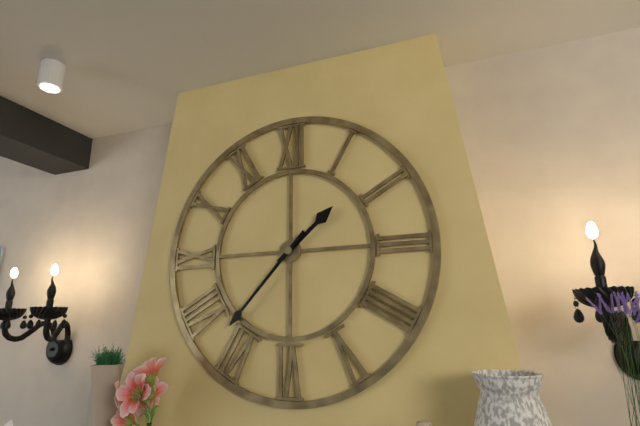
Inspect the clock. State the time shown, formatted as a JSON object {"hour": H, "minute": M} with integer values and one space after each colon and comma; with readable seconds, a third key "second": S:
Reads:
{"hour": 1, "minute": 37}
